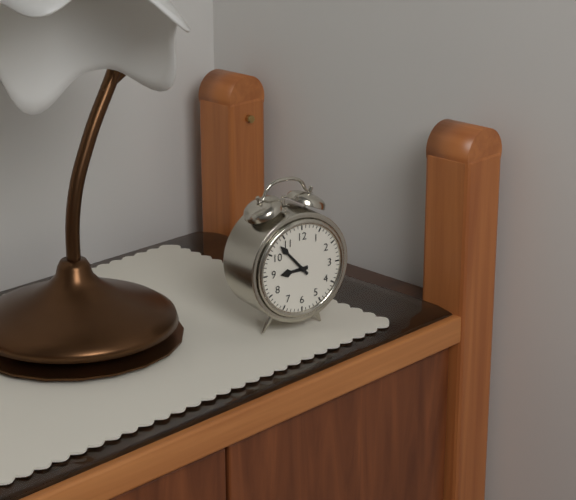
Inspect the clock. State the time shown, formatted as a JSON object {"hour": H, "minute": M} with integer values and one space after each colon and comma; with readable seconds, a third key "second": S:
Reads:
{"hour": 8, "minute": 53}
